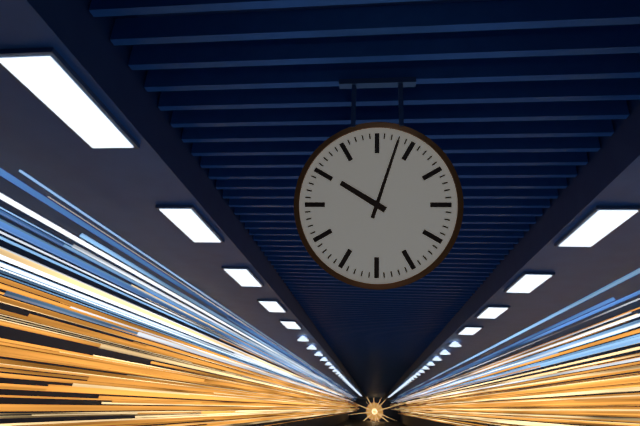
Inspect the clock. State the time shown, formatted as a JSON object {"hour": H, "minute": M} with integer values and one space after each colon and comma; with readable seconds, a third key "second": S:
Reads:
{"hour": 10, "minute": 3}
